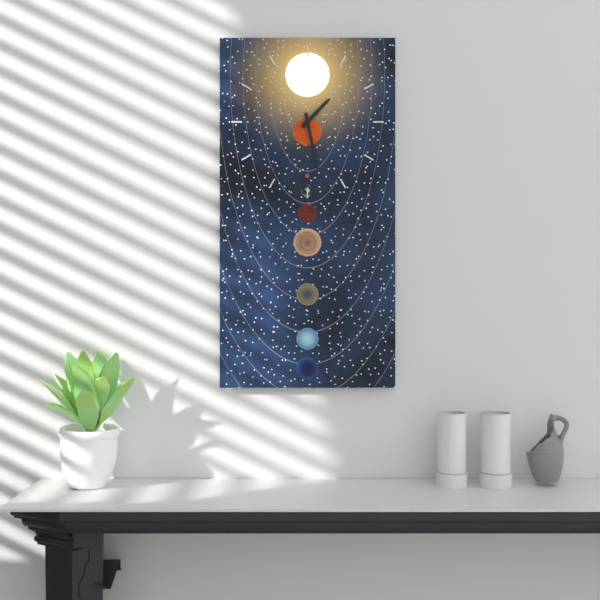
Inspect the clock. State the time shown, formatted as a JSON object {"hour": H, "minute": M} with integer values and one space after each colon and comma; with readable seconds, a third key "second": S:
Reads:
{"hour": 1, "minute": 28}
